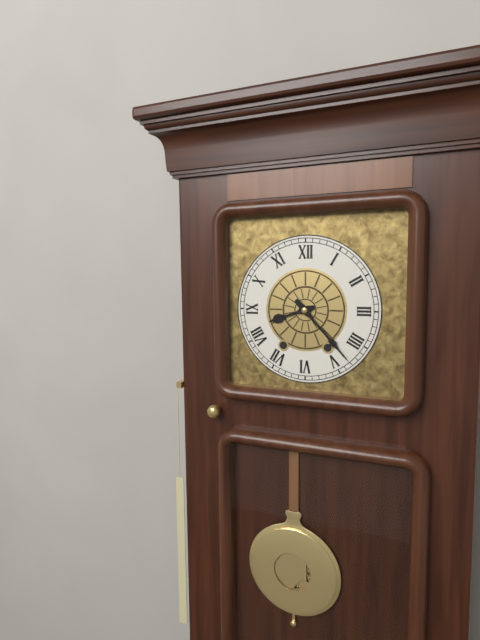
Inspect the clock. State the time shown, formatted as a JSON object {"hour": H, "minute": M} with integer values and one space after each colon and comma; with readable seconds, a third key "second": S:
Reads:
{"hour": 8, "minute": 23}
